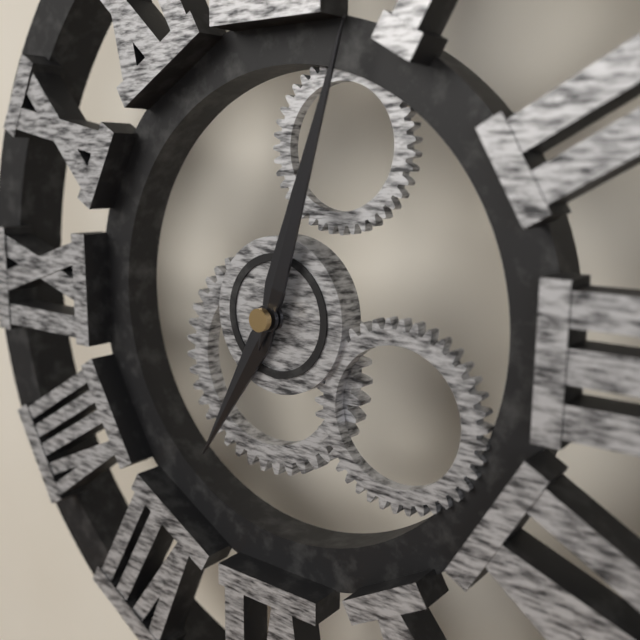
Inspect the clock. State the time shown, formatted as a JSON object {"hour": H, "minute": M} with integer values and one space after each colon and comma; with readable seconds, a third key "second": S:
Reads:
{"hour": 7, "minute": 3}
